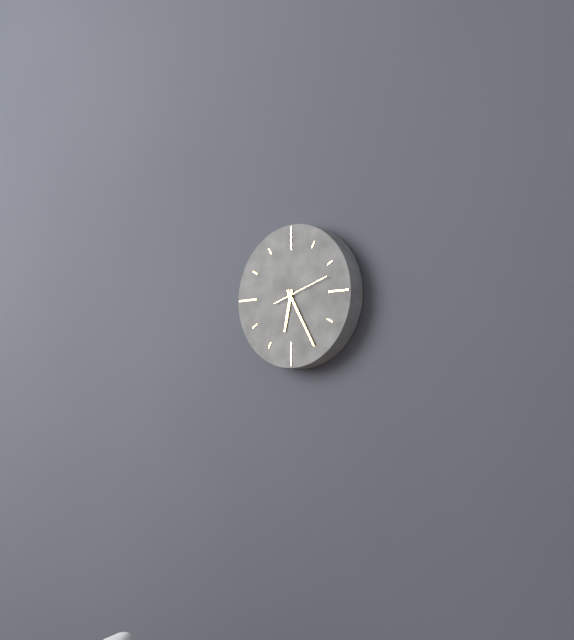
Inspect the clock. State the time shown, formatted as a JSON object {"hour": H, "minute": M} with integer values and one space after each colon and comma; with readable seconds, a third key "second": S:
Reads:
{"hour": 6, "minute": 25, "second": 12}
